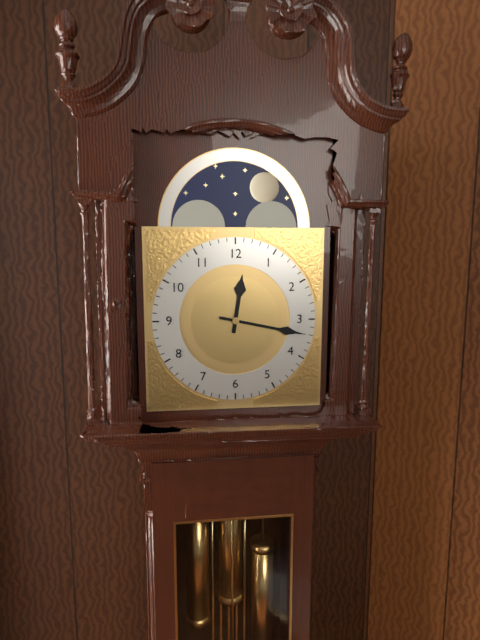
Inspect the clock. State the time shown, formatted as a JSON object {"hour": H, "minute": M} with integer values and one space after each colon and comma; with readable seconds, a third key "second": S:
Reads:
{"hour": 12, "minute": 17}
